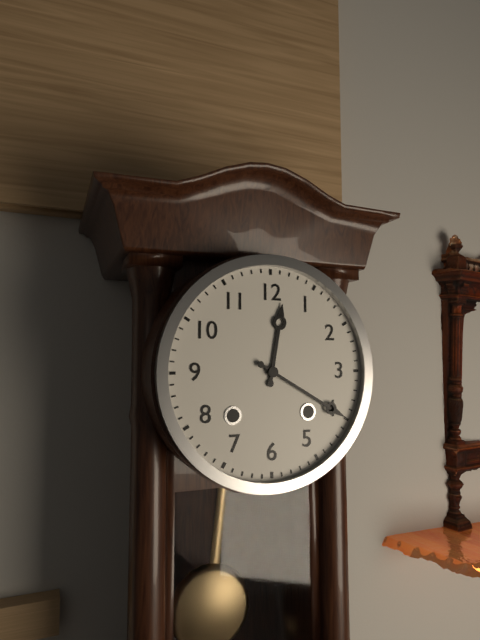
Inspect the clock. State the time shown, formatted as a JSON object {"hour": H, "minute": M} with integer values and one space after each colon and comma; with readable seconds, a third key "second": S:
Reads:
{"hour": 12, "minute": 20}
